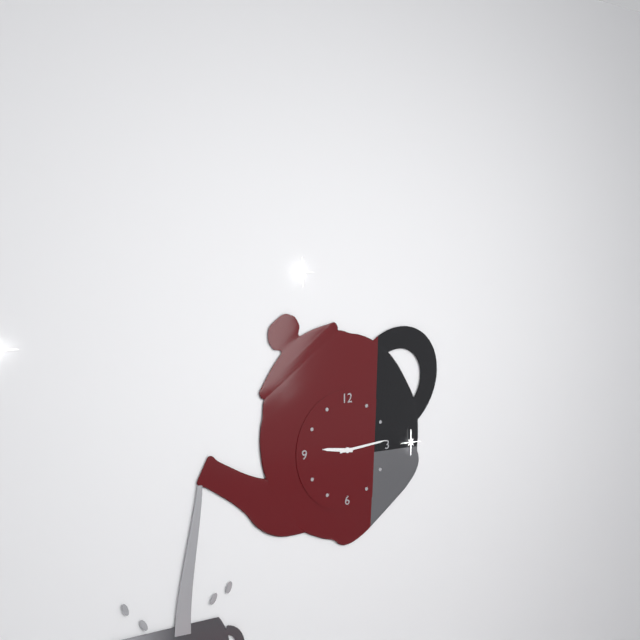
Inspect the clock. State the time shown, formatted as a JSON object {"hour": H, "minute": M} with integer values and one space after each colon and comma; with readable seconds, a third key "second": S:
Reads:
{"hour": 9, "minute": 14}
